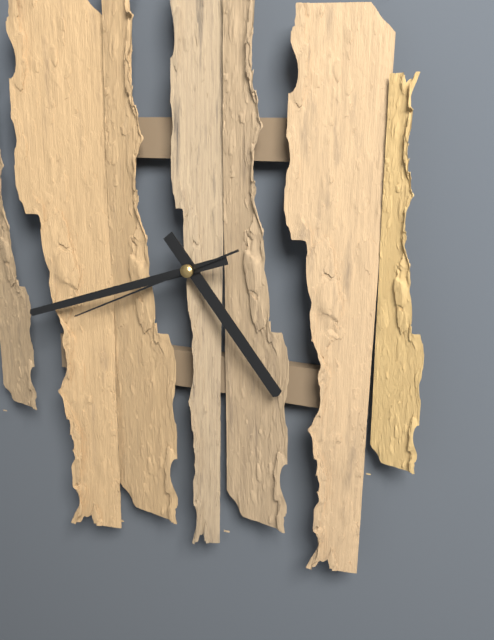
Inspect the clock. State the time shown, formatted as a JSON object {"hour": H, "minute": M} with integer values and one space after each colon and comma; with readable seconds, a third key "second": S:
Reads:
{"hour": 4, "minute": 42, "second": 41}
